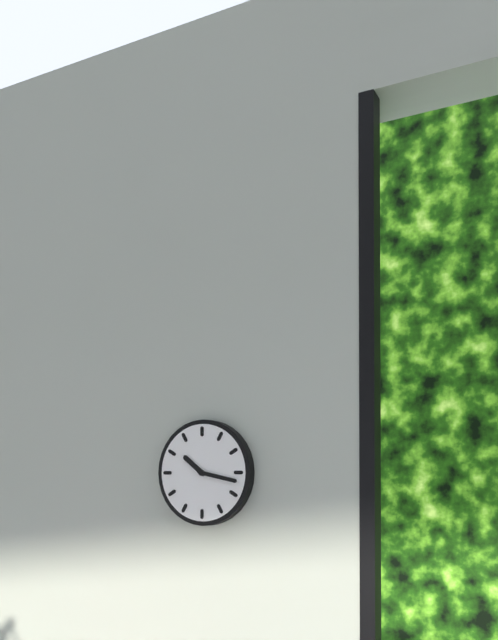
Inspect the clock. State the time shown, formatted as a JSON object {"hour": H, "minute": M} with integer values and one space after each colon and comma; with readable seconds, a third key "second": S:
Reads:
{"hour": 10, "minute": 17}
